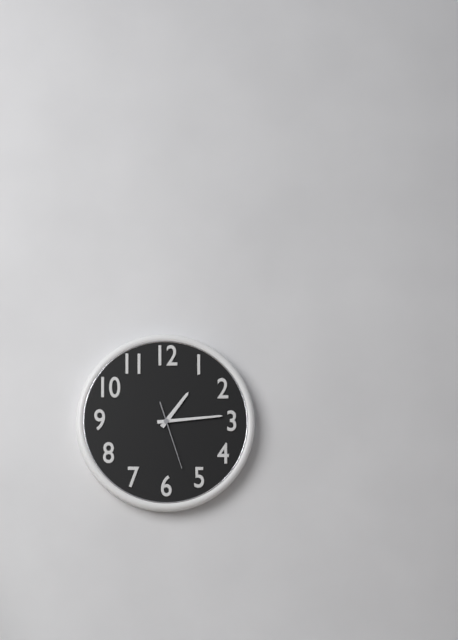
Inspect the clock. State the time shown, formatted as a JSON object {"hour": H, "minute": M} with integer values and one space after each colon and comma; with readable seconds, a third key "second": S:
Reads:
{"hour": 1, "minute": 14, "second": 27}
